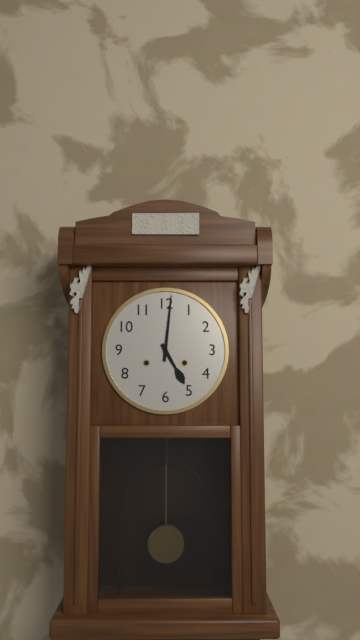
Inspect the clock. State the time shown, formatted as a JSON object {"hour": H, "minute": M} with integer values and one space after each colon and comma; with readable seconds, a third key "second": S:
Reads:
{"hour": 5, "minute": 1}
